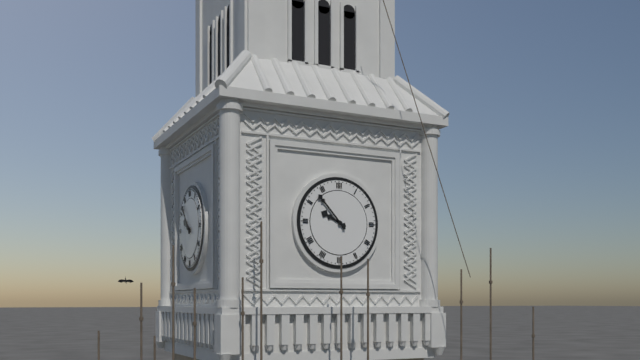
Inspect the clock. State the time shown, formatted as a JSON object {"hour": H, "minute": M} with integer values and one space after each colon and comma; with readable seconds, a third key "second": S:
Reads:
{"hour": 9, "minute": 53}
